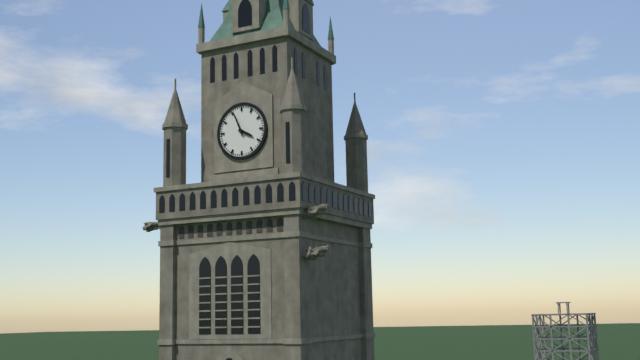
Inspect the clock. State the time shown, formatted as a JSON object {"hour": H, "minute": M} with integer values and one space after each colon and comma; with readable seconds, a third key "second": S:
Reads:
{"hour": 3, "minute": 56}
